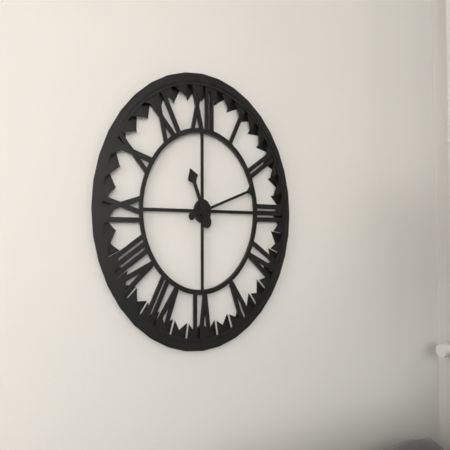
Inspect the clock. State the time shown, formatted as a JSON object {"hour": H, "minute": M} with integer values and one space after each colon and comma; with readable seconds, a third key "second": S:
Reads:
{"hour": 11, "minute": 12}
